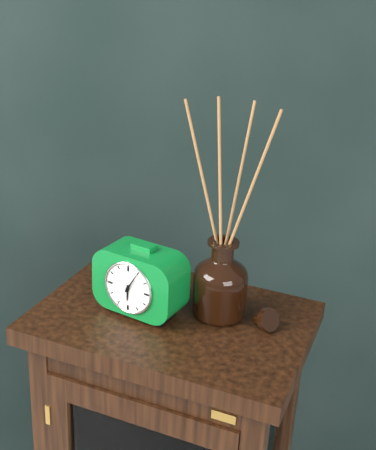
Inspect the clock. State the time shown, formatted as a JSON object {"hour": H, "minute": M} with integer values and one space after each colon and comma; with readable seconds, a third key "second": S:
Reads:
{"hour": 6, "minute": 5}
